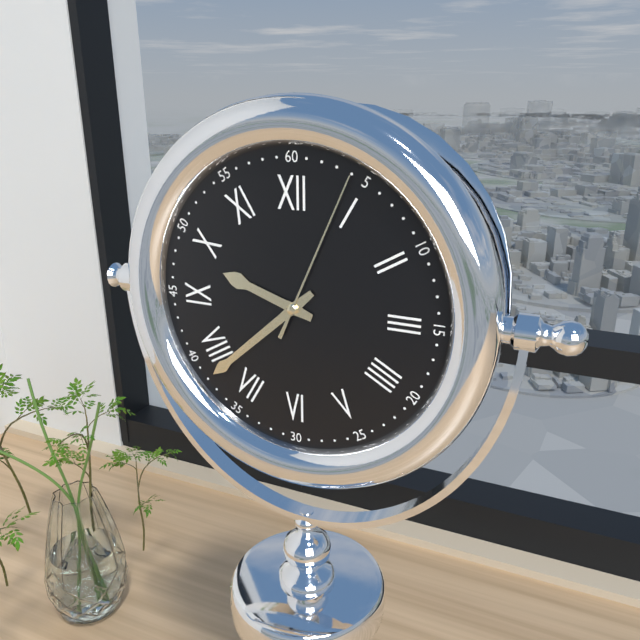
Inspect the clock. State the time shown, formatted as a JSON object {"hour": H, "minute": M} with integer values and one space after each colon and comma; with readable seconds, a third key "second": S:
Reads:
{"hour": 9, "minute": 38, "second": 4}
